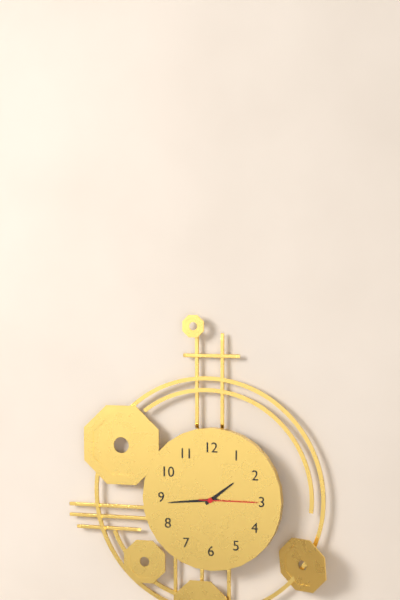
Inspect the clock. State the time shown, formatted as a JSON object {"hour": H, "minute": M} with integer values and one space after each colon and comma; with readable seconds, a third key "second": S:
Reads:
{"hour": 1, "minute": 44, "second": 15}
